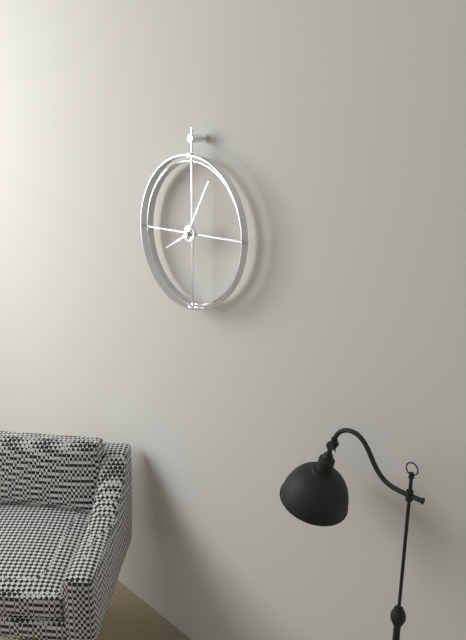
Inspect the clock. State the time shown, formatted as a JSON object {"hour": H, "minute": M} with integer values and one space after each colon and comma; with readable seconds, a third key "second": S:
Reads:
{"hour": 8, "minute": 5}
